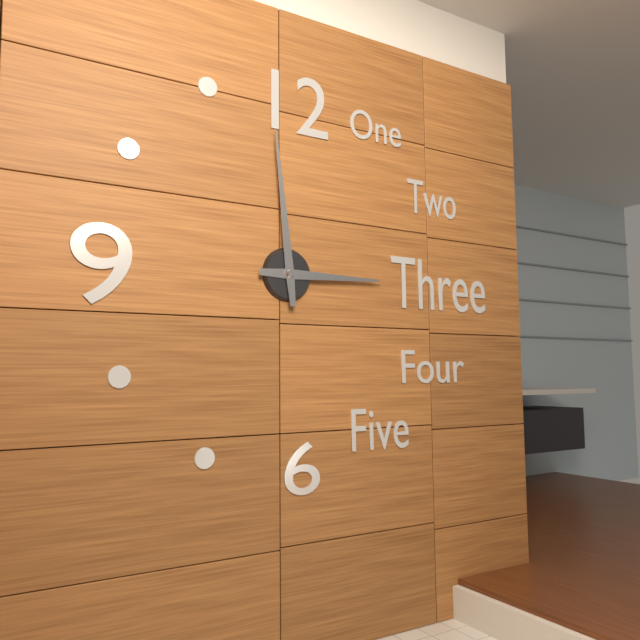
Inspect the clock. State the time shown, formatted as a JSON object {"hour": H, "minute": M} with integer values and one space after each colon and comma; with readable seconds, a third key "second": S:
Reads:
{"hour": 2, "minute": 59}
